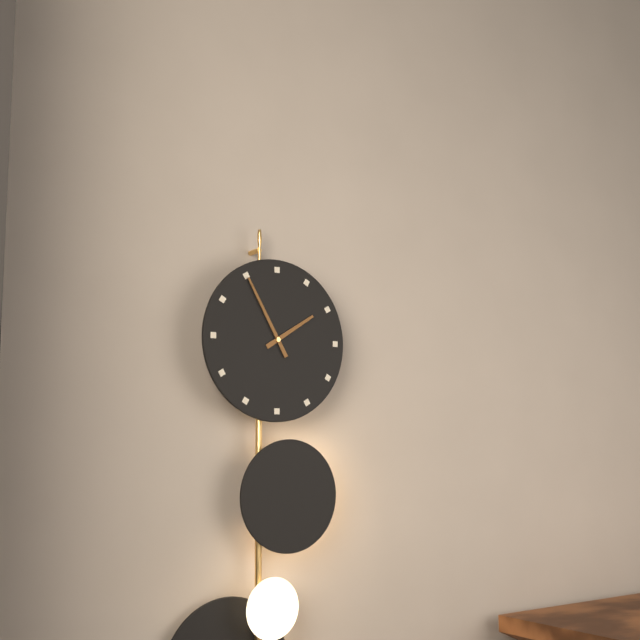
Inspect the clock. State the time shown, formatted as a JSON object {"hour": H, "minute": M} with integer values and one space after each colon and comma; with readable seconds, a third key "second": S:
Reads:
{"hour": 1, "minute": 55}
